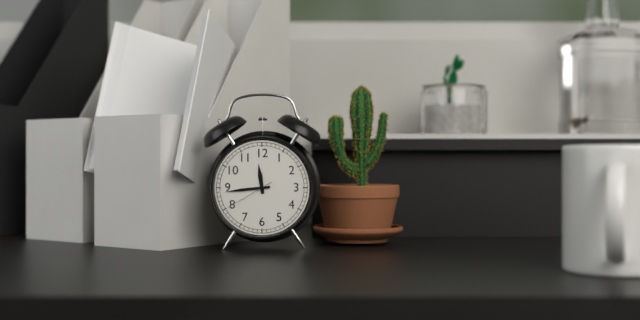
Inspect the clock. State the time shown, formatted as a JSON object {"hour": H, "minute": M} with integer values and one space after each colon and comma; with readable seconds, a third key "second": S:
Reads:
{"hour": 11, "minute": 44}
